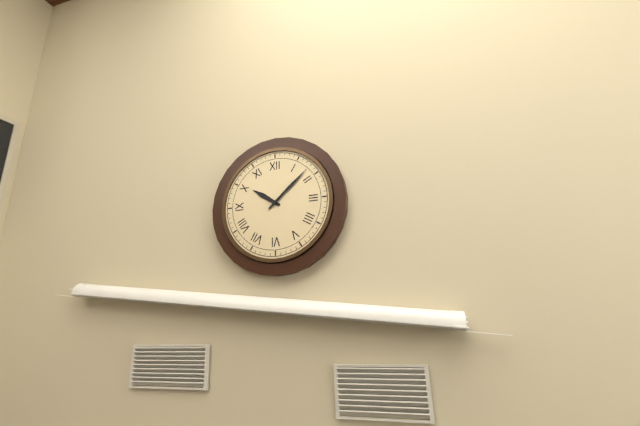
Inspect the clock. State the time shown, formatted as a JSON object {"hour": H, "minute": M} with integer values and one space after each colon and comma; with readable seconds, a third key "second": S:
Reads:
{"hour": 10, "minute": 8}
